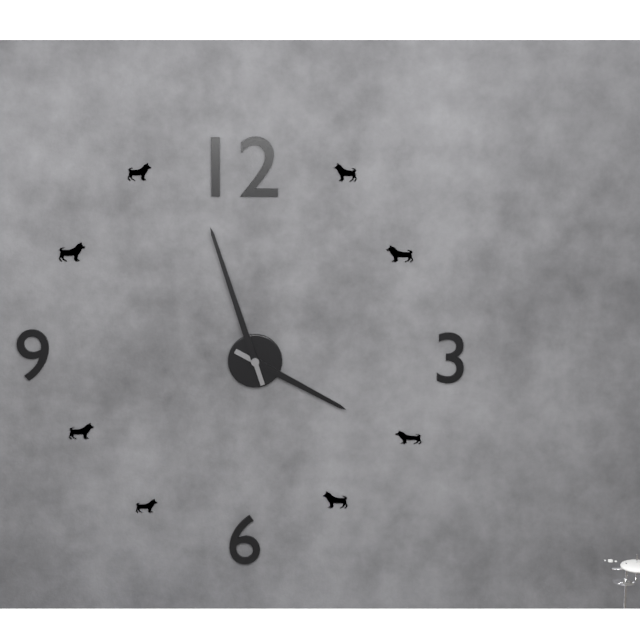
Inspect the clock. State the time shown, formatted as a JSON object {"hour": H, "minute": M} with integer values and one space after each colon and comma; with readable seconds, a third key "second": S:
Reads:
{"hour": 3, "minute": 57}
